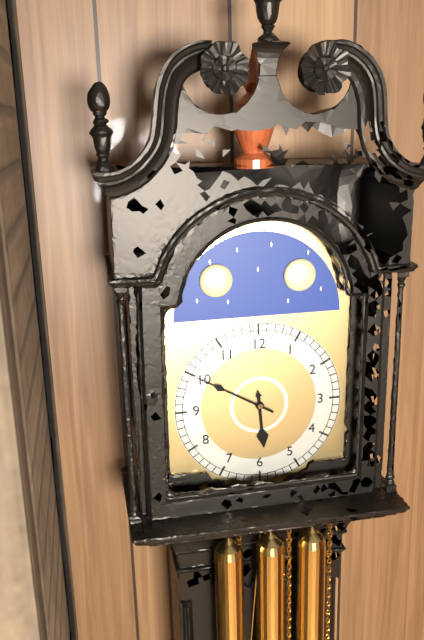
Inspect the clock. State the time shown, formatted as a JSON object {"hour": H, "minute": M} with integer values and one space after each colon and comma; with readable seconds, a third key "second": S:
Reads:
{"hour": 5, "minute": 50}
